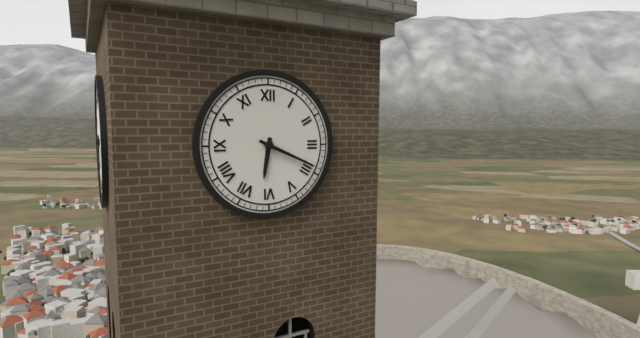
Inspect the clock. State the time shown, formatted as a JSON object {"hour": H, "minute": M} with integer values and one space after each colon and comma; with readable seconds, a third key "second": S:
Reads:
{"hour": 6, "minute": 19}
